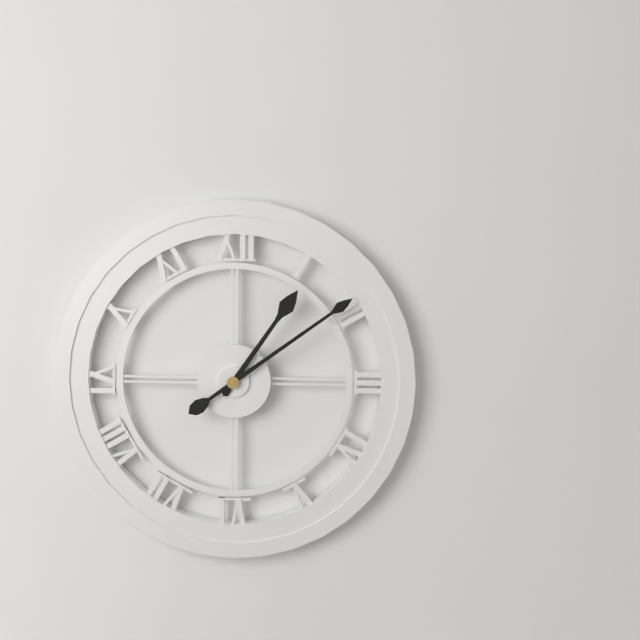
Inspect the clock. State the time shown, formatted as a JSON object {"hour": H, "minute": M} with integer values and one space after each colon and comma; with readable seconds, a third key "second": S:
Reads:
{"hour": 1, "minute": 9}
